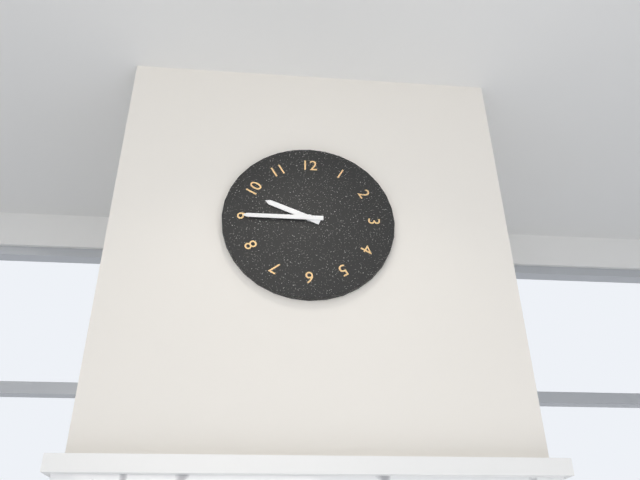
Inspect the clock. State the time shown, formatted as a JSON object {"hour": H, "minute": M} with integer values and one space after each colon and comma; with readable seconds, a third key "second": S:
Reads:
{"hour": 9, "minute": 45}
